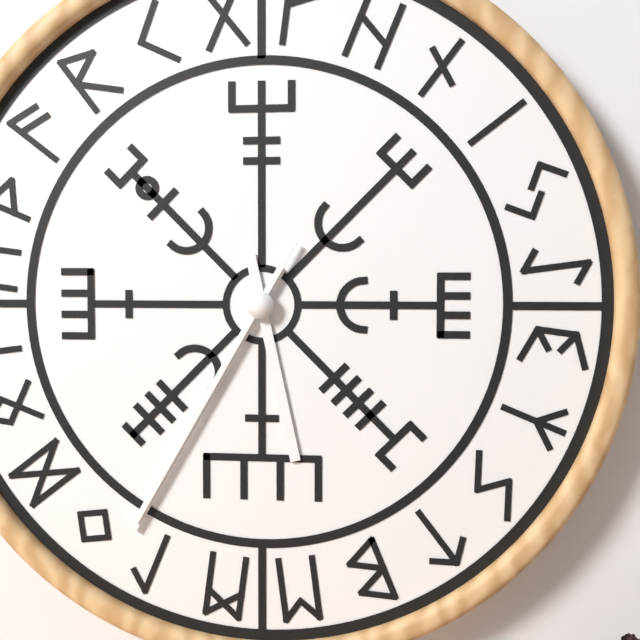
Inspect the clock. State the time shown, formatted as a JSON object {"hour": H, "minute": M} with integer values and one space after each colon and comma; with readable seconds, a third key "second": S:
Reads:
{"hour": 5, "minute": 35, "second": 35}
